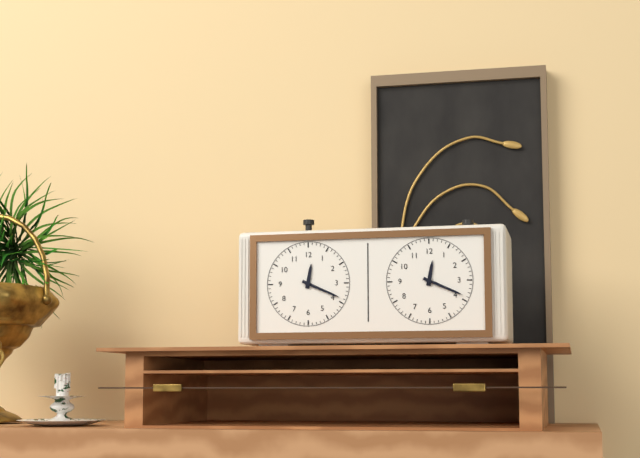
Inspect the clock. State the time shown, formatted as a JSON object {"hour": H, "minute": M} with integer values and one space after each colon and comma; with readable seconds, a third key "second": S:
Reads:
{"hour": 12, "minute": 19}
